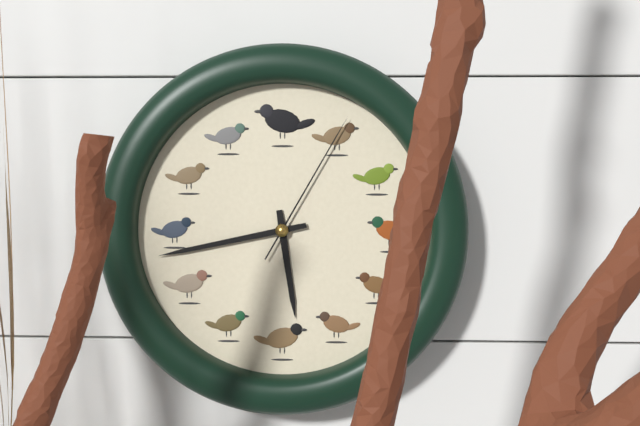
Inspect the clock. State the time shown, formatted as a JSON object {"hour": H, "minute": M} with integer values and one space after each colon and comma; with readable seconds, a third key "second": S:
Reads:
{"hour": 5, "minute": 43, "second": 5}
